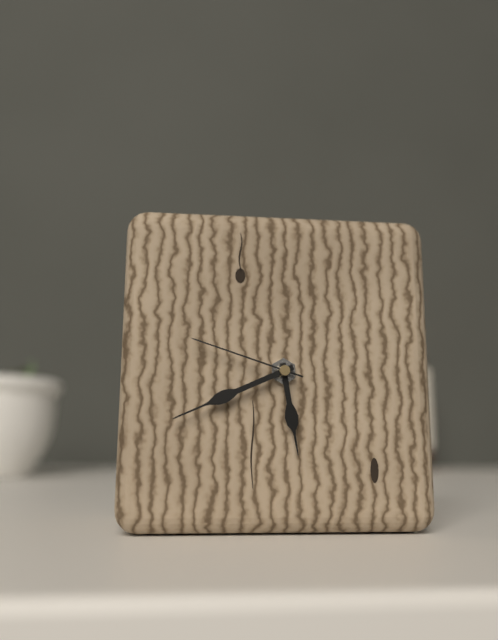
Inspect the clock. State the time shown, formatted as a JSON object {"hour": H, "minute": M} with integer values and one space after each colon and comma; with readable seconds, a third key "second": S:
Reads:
{"hour": 5, "minute": 41, "second": 48}
